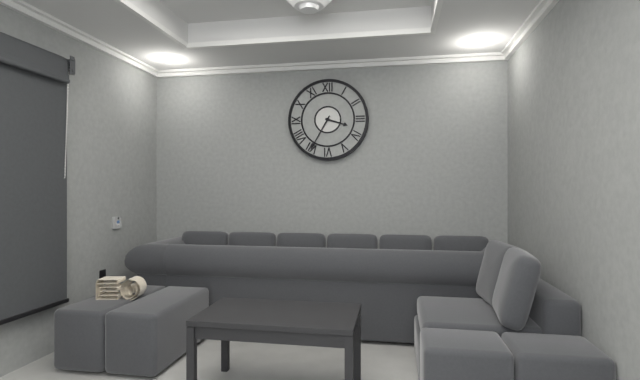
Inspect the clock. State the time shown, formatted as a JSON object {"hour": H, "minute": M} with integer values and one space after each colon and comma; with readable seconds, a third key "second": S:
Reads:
{"hour": 3, "minute": 35}
